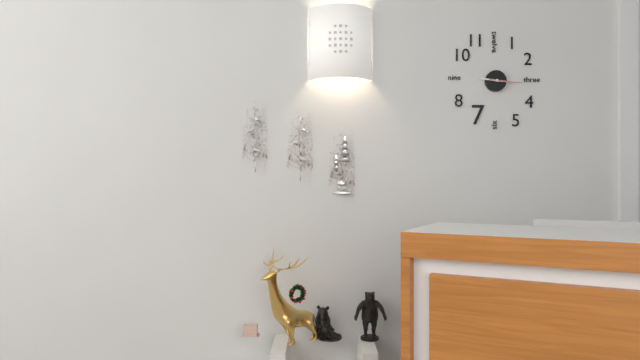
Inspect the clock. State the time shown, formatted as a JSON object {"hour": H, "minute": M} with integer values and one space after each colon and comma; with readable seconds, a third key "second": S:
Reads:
{"hour": 9, "minute": 16}
